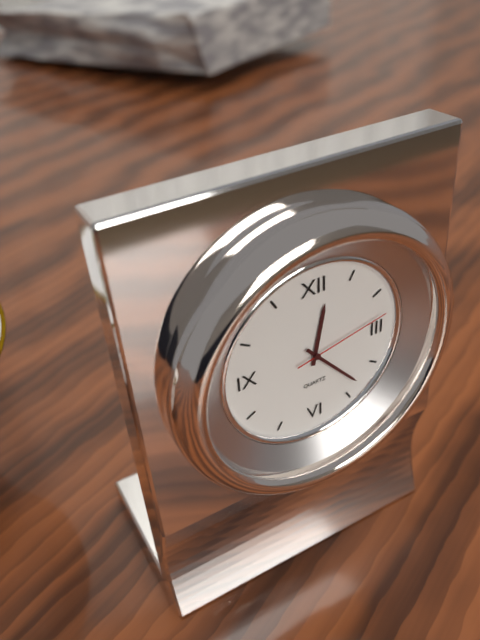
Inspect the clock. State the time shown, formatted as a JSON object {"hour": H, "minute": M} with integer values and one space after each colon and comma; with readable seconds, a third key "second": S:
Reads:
{"hour": 12, "minute": 23, "second": 13}
